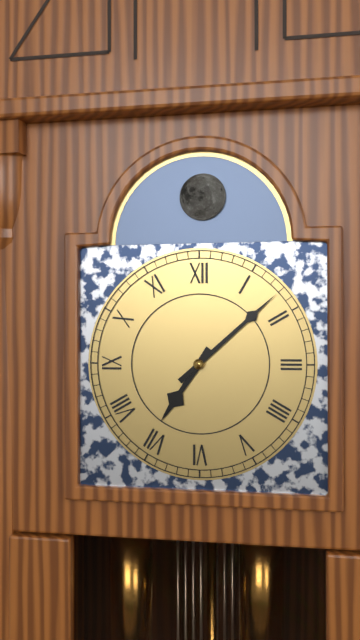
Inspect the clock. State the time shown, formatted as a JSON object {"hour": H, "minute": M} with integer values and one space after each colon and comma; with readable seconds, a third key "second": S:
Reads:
{"hour": 7, "minute": 8}
